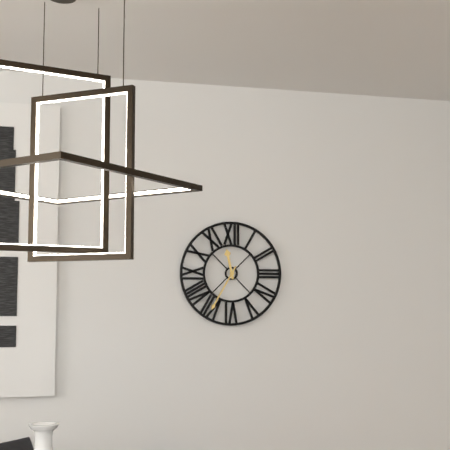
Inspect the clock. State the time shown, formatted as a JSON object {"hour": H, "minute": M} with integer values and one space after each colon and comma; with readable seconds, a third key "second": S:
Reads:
{"hour": 11, "minute": 35}
